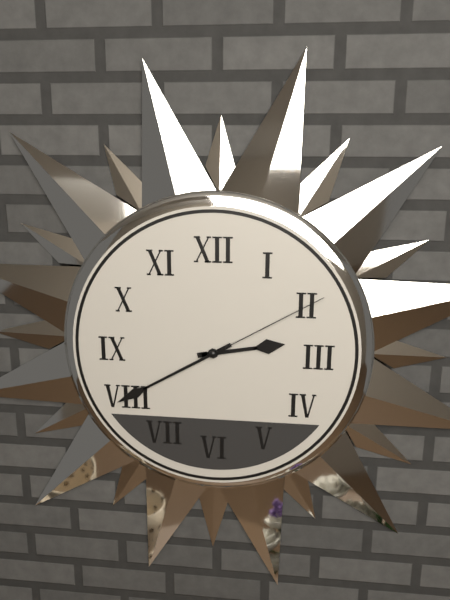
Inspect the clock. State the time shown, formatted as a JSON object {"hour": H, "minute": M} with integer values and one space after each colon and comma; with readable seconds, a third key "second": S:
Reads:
{"hour": 2, "minute": 40, "second": 10}
